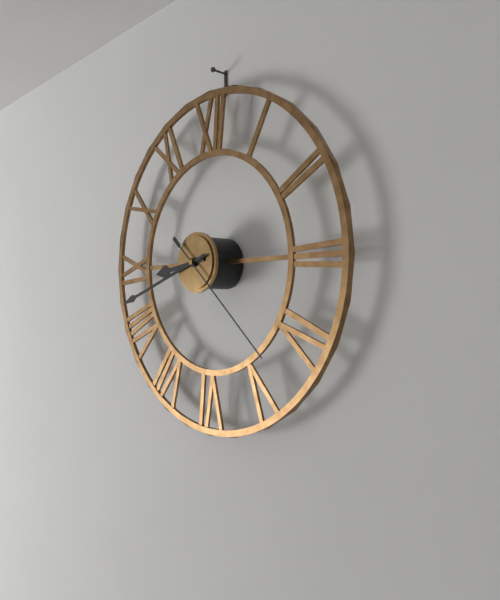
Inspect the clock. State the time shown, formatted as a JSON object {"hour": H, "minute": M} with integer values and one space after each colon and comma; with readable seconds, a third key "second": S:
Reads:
{"hour": 8, "minute": 42, "second": 22}
